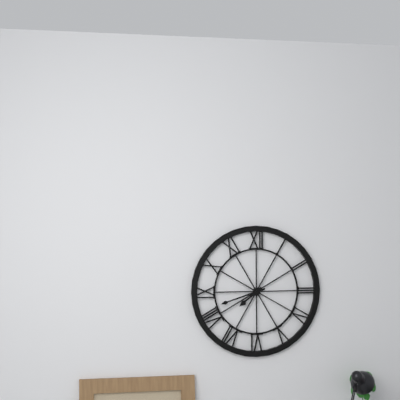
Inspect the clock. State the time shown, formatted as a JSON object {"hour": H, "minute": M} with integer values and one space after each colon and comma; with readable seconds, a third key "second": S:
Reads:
{"hour": 7, "minute": 42}
